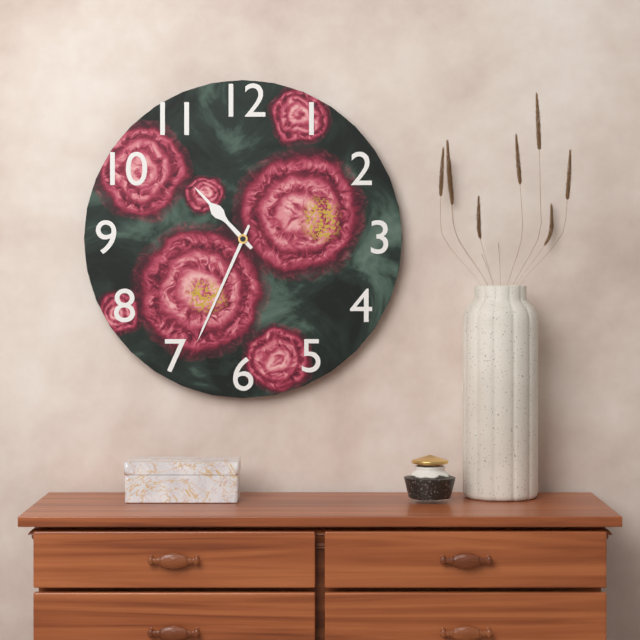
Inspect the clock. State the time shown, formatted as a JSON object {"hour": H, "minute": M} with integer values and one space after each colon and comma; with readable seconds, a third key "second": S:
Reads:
{"hour": 10, "minute": 34}
